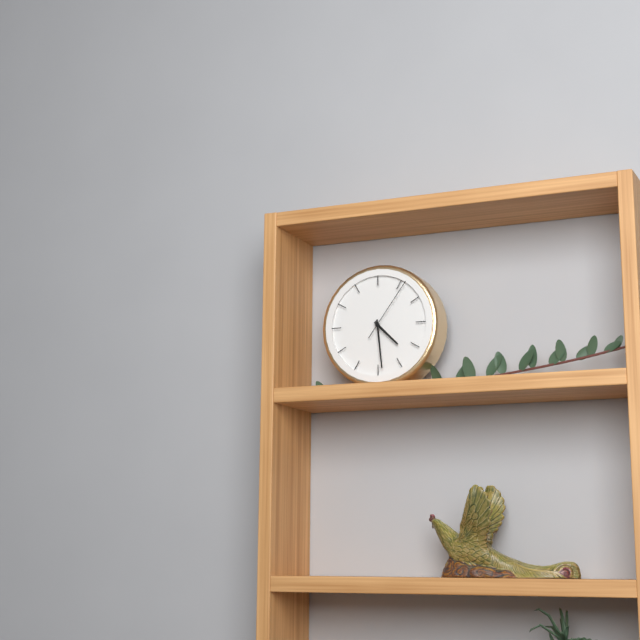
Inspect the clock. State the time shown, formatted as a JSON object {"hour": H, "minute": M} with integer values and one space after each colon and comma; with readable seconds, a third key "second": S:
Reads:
{"hour": 4, "minute": 29, "second": 6}
